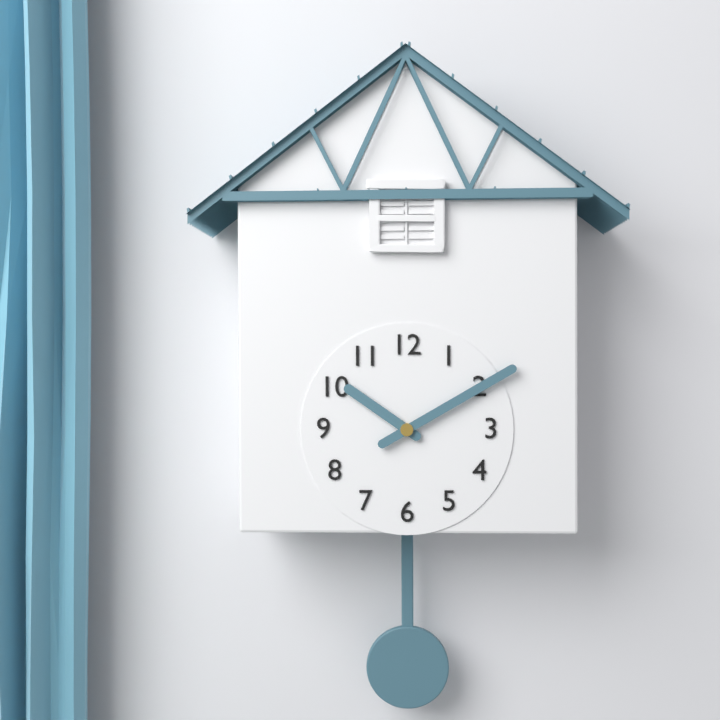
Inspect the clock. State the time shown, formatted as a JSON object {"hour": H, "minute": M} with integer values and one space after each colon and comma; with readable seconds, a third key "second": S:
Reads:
{"hour": 10, "minute": 10}
